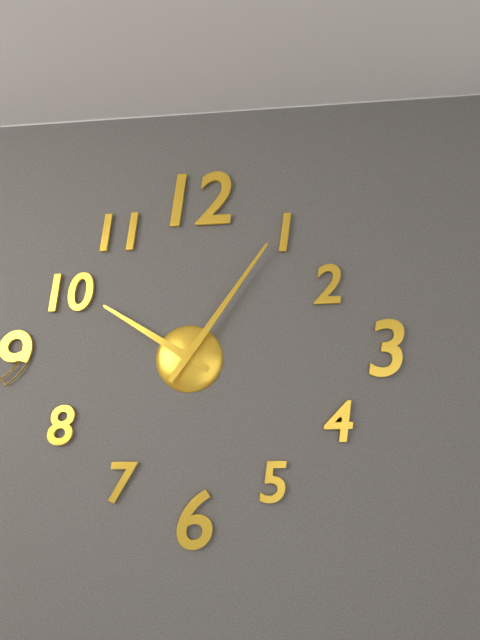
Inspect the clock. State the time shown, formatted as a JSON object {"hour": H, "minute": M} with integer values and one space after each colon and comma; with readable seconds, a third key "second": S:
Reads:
{"hour": 10, "minute": 6}
